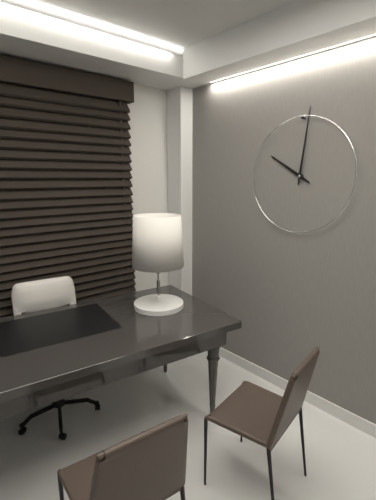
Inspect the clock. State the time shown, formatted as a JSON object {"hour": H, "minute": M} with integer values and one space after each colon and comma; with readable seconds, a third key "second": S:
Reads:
{"hour": 10, "minute": 1}
